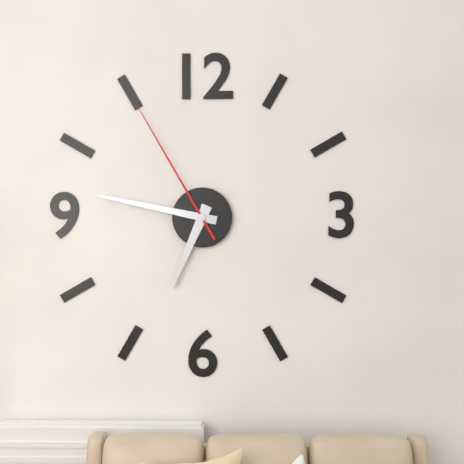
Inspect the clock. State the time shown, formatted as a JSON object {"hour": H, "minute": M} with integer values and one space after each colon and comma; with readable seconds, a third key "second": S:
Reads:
{"hour": 6, "minute": 47, "second": 55}
